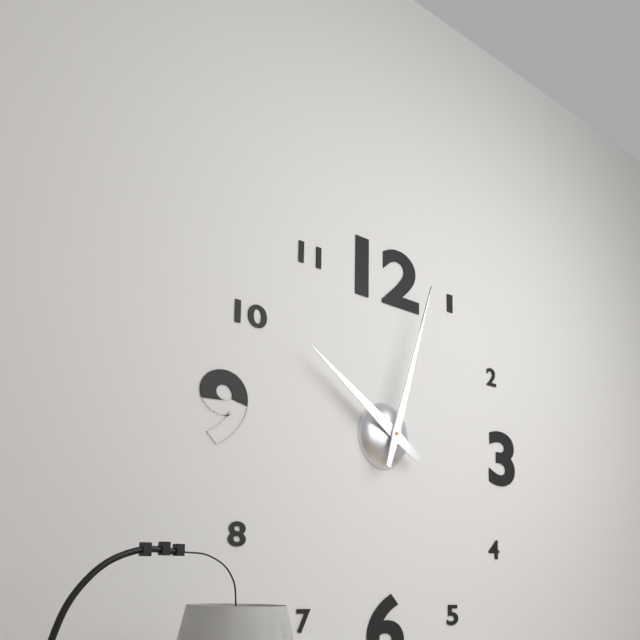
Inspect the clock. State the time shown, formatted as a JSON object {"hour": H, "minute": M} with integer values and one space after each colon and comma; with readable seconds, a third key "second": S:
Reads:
{"hour": 10, "minute": 3}
